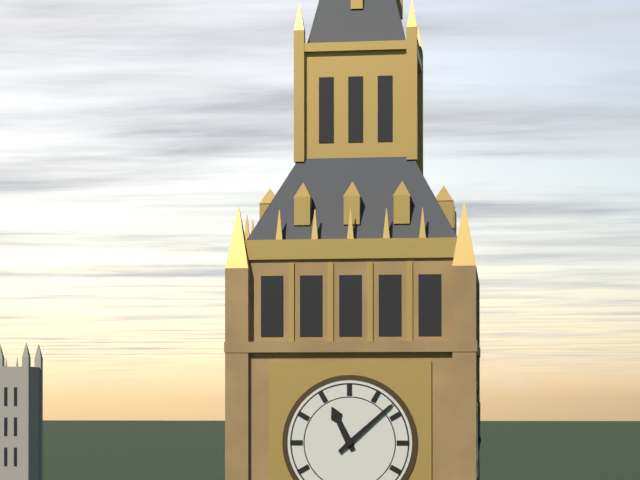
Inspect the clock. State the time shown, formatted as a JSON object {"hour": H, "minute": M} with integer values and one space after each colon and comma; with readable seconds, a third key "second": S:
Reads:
{"hour": 11, "minute": 8}
